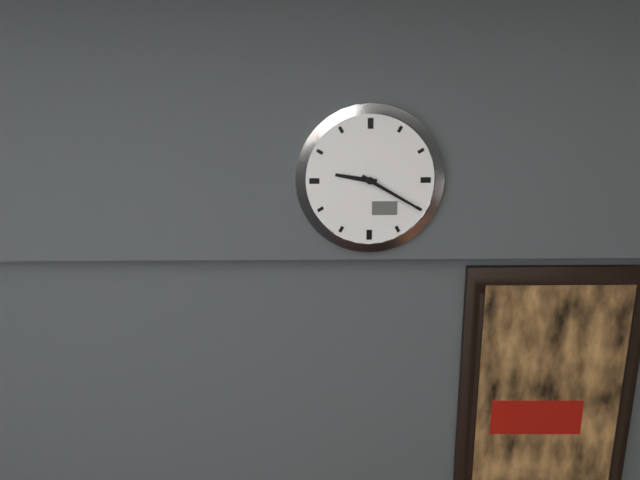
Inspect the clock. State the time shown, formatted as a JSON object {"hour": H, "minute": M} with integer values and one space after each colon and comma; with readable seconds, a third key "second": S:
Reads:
{"hour": 9, "minute": 20}
